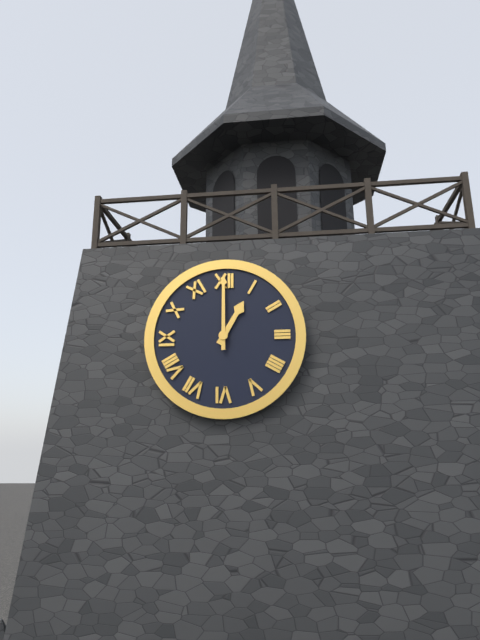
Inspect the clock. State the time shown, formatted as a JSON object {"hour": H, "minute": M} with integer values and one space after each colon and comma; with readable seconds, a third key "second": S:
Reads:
{"hour": 1, "minute": 0}
